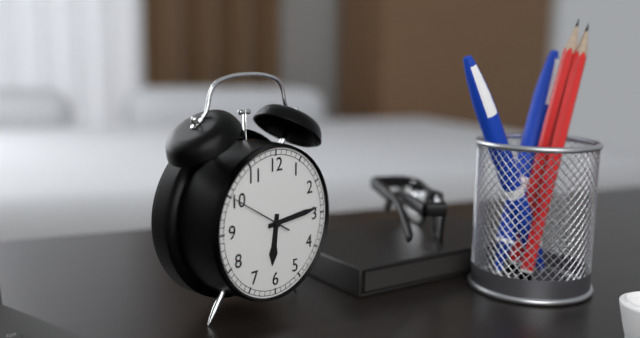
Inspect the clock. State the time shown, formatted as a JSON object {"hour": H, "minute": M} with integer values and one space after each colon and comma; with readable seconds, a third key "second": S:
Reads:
{"hour": 6, "minute": 14, "second": 50}
